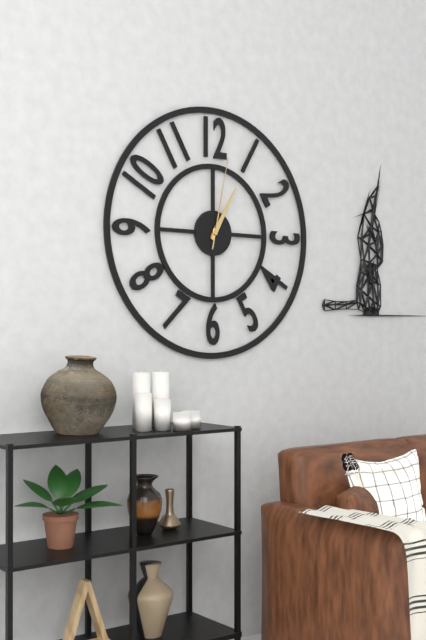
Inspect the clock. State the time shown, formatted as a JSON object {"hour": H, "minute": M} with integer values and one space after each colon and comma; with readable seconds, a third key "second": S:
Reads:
{"hour": 1, "minute": 5, "second": 2}
